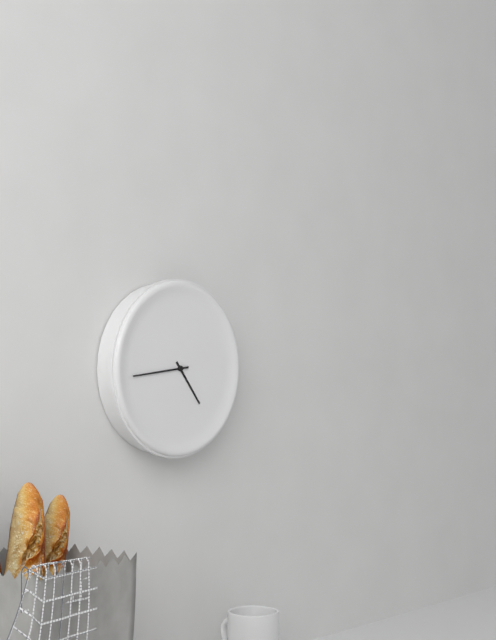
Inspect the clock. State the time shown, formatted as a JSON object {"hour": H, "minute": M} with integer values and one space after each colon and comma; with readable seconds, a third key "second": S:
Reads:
{"hour": 4, "minute": 44}
